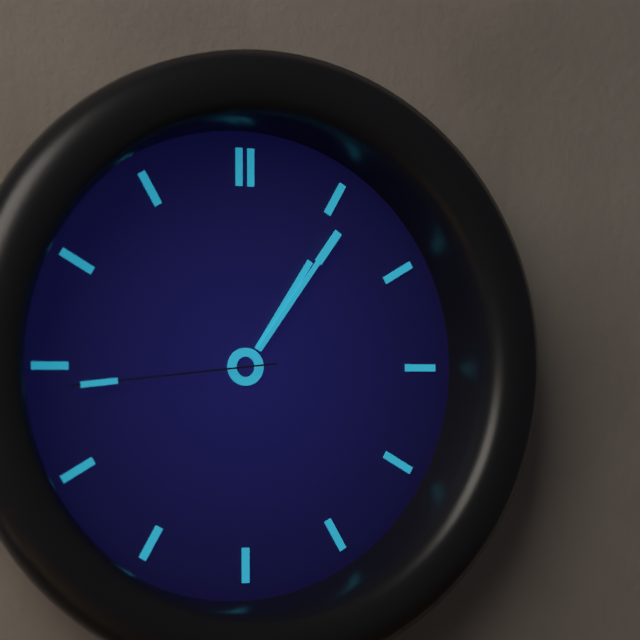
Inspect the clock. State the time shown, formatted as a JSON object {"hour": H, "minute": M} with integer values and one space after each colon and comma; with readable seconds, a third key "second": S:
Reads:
{"hour": 1, "minute": 6, "second": 44}
